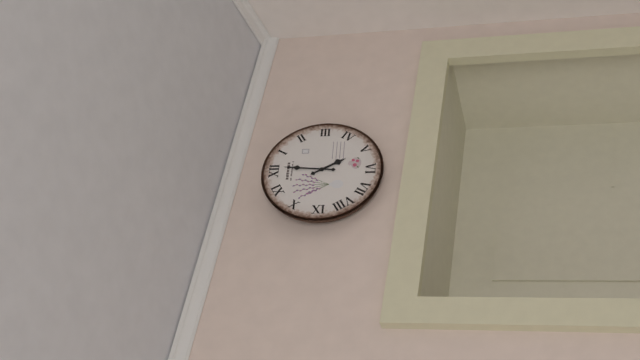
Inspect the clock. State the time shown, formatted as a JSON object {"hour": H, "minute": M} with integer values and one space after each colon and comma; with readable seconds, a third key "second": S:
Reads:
{"hour": 5, "minute": 1}
